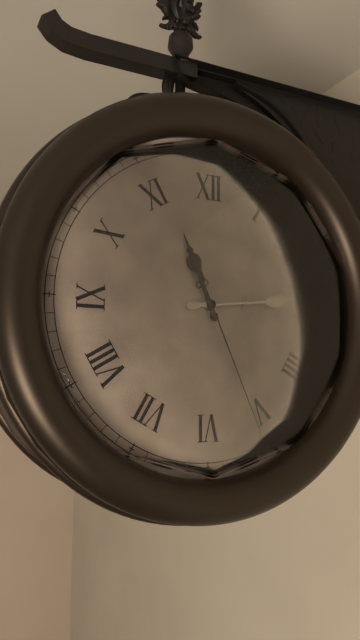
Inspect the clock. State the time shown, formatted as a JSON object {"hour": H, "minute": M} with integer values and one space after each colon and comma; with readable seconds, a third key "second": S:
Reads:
{"hour": 11, "minute": 14, "second": 26}
